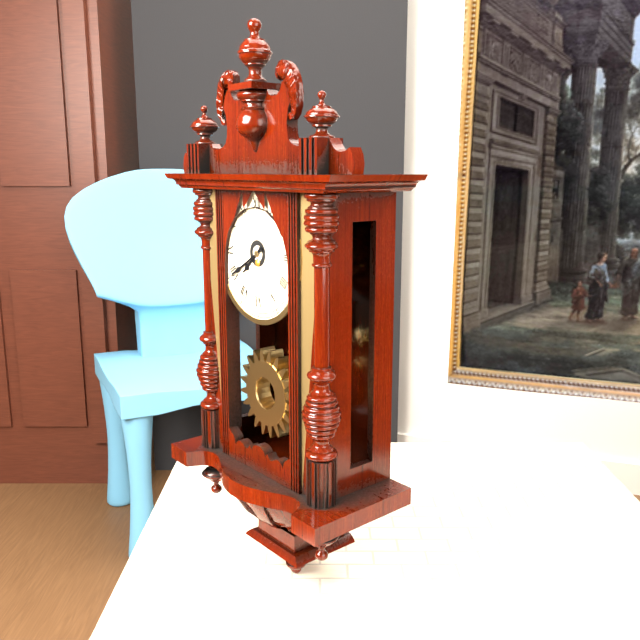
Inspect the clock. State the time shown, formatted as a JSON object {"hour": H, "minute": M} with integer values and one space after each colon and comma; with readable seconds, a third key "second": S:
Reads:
{"hour": 7, "minute": 40}
